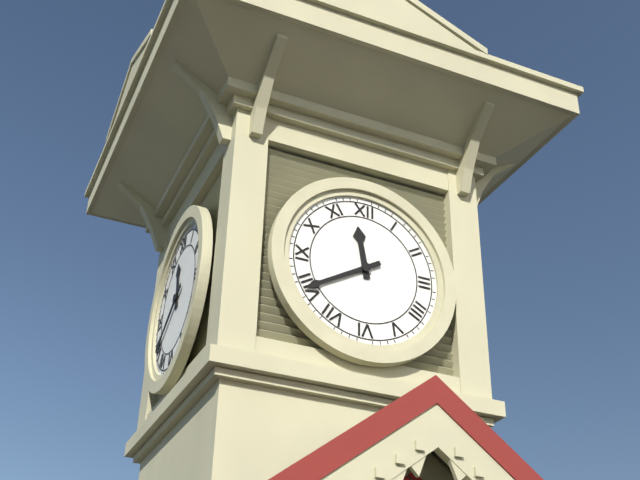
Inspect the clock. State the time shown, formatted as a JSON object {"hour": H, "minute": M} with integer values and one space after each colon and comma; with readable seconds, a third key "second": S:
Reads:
{"hour": 11, "minute": 40}
